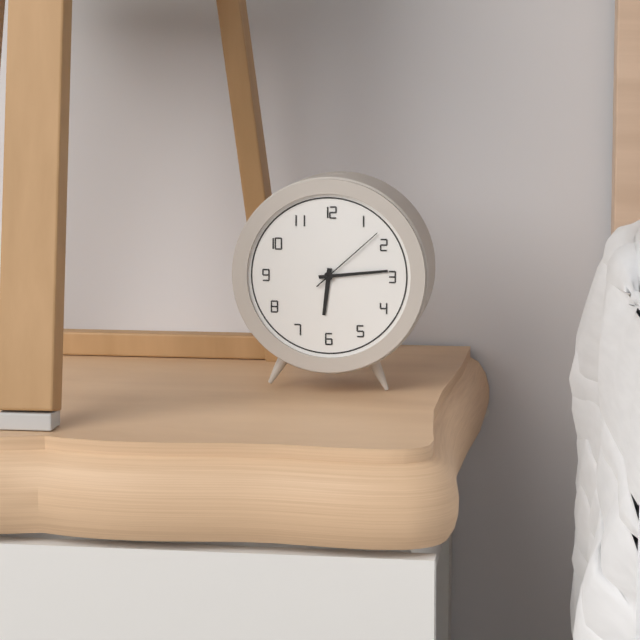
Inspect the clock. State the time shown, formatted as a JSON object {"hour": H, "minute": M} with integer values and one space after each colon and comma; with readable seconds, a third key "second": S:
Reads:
{"hour": 6, "minute": 14, "second": 8}
